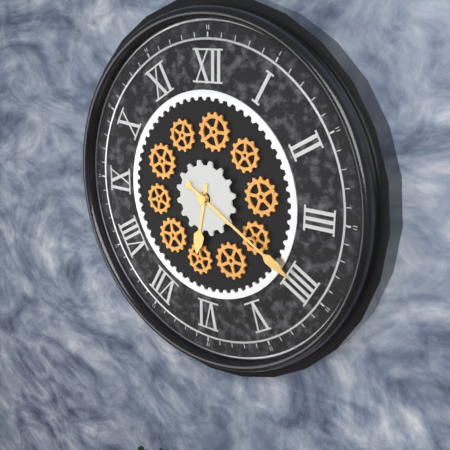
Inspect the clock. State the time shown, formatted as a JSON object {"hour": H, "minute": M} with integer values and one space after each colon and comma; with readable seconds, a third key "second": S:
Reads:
{"hour": 6, "minute": 20}
